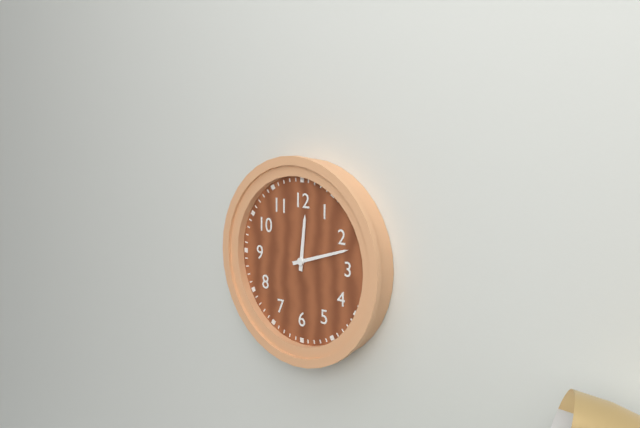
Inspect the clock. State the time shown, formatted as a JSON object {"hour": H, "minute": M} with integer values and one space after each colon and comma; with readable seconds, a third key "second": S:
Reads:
{"hour": 12, "minute": 12}
